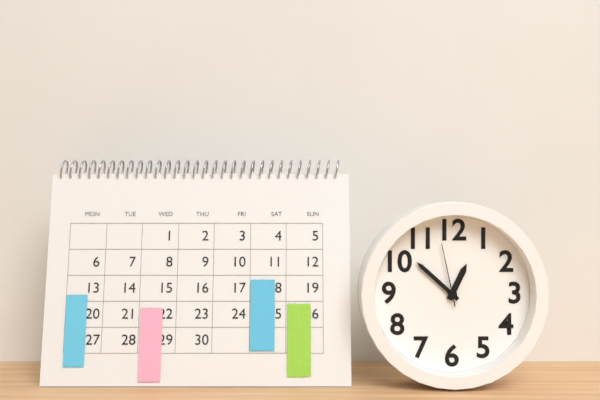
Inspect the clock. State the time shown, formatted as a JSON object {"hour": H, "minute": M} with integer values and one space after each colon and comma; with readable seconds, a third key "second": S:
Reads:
{"hour": 12, "minute": 52, "second": 58}
